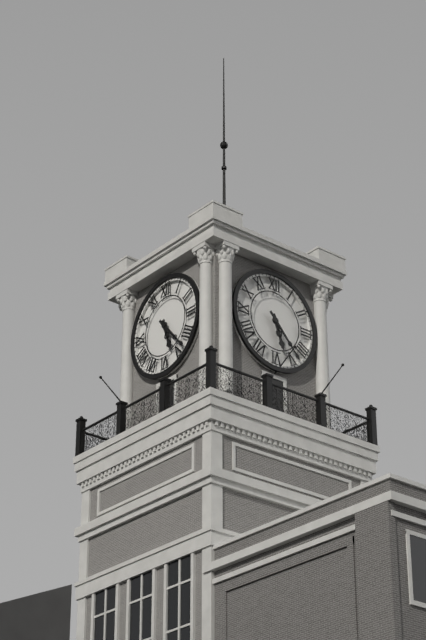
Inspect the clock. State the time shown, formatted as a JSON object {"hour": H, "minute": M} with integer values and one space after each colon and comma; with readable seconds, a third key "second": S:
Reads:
{"hour": 5, "minute": 23}
